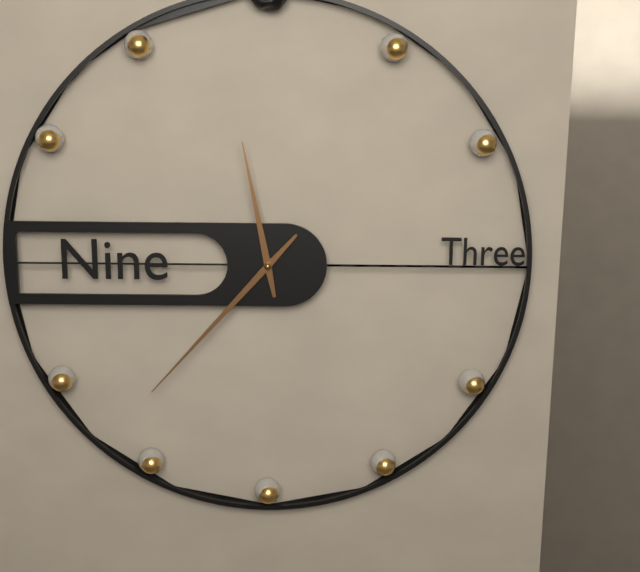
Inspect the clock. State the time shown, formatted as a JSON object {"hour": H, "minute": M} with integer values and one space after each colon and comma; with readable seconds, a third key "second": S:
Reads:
{"hour": 11, "minute": 37}
